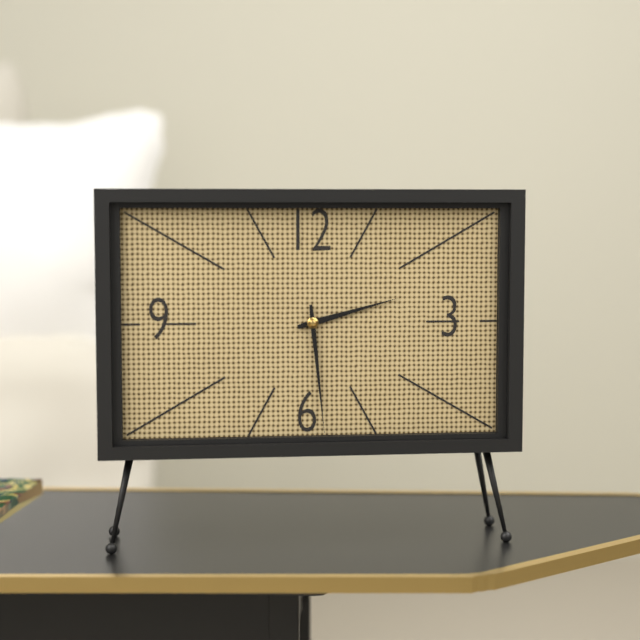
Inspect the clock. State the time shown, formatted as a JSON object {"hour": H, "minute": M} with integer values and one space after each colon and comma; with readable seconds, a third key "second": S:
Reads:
{"hour": 2, "minute": 29}
